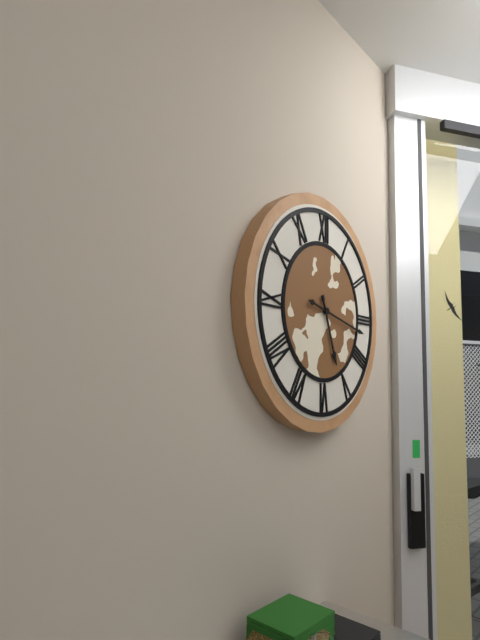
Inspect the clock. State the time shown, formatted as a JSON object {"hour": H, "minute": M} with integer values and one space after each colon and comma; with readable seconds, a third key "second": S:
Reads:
{"hour": 5, "minute": 17}
